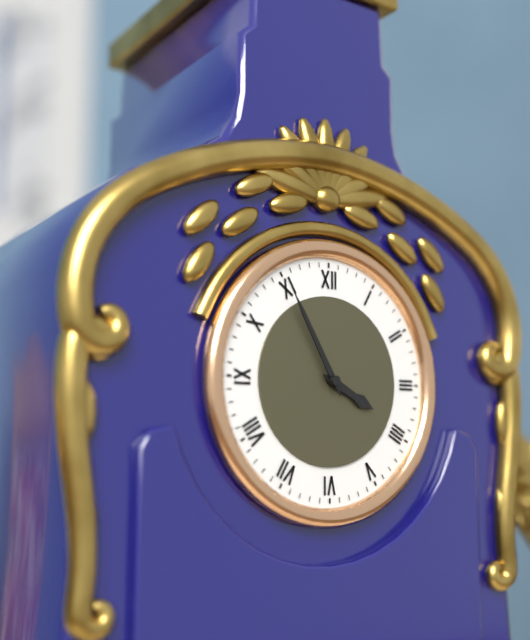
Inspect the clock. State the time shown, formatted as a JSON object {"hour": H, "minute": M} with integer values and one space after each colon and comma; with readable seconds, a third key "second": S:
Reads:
{"hour": 3, "minute": 55}
